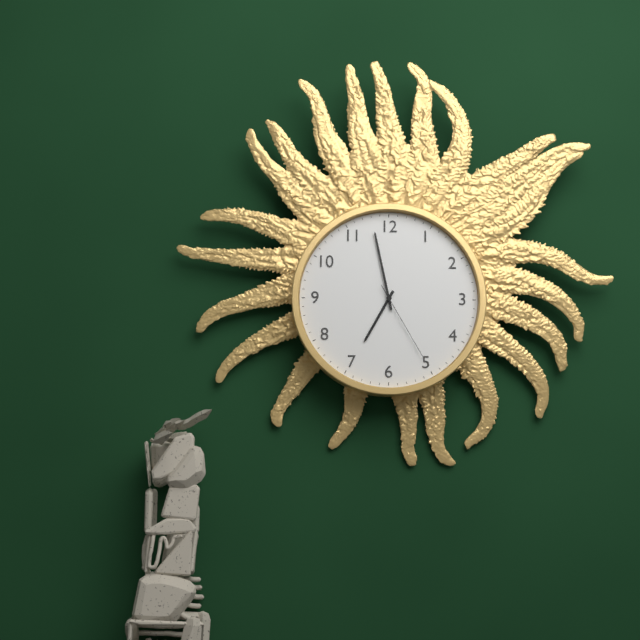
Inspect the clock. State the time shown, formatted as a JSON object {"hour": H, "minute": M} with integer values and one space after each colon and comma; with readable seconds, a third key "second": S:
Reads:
{"hour": 6, "minute": 58, "second": 25}
